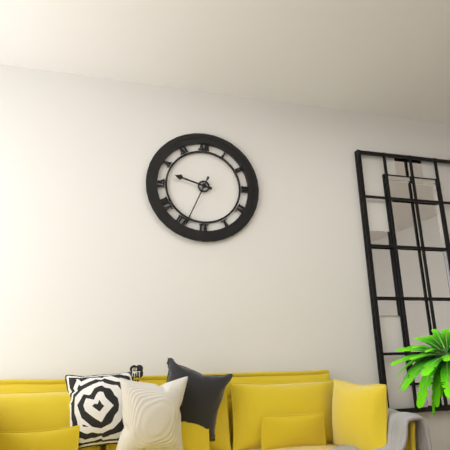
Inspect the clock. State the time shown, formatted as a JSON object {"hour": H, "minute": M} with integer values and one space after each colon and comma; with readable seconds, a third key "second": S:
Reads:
{"hour": 9, "minute": 34}
